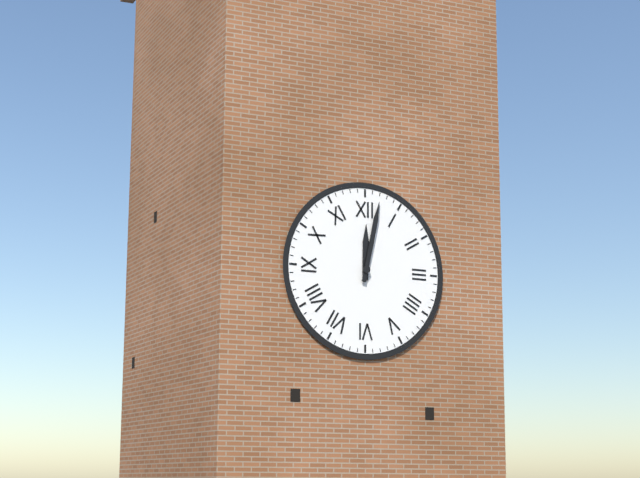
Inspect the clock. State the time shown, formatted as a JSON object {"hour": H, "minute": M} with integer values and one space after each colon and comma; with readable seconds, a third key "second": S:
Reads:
{"hour": 12, "minute": 2}
